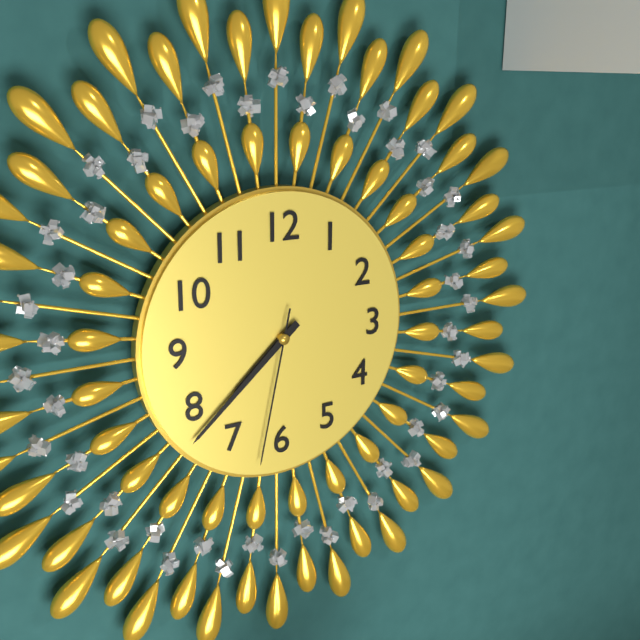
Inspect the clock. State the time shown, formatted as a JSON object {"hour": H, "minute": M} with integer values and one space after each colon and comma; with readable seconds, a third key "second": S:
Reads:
{"hour": 7, "minute": 38, "second": 32}
